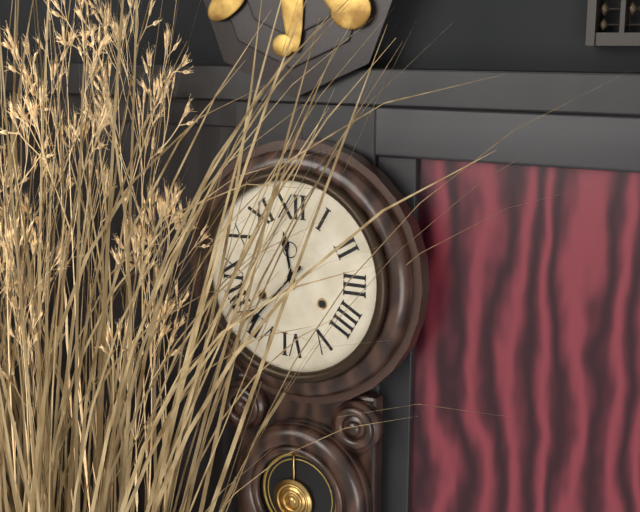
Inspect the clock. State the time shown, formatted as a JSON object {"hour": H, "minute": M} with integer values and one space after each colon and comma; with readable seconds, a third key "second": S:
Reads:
{"hour": 11, "minute": 37}
